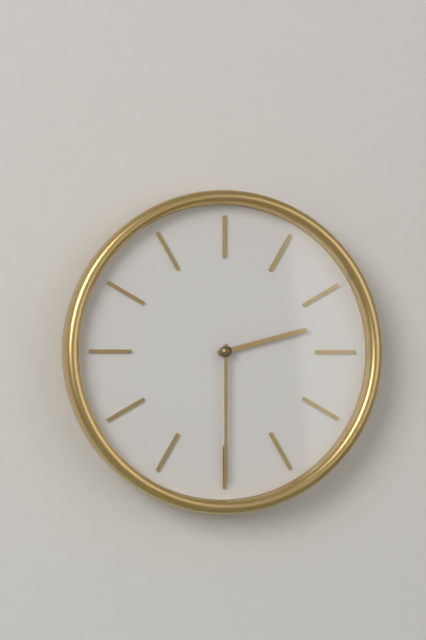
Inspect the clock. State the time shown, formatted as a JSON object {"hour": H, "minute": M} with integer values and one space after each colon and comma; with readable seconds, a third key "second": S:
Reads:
{"hour": 2, "minute": 30}
